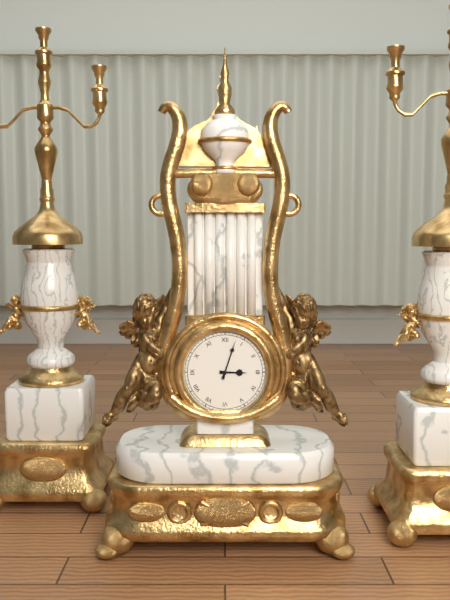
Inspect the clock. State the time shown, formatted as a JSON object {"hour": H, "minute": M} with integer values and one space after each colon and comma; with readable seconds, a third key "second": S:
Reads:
{"hour": 3, "minute": 3}
